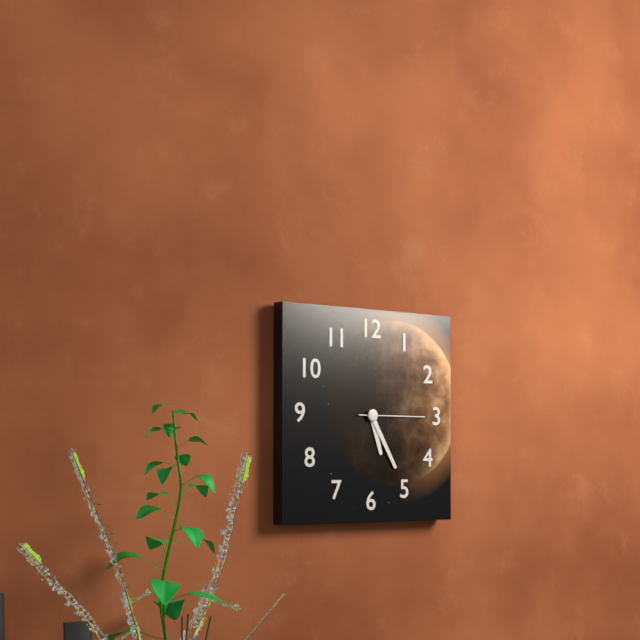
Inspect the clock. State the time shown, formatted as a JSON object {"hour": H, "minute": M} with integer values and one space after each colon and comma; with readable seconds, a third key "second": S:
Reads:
{"hour": 5, "minute": 25, "second": 15}
